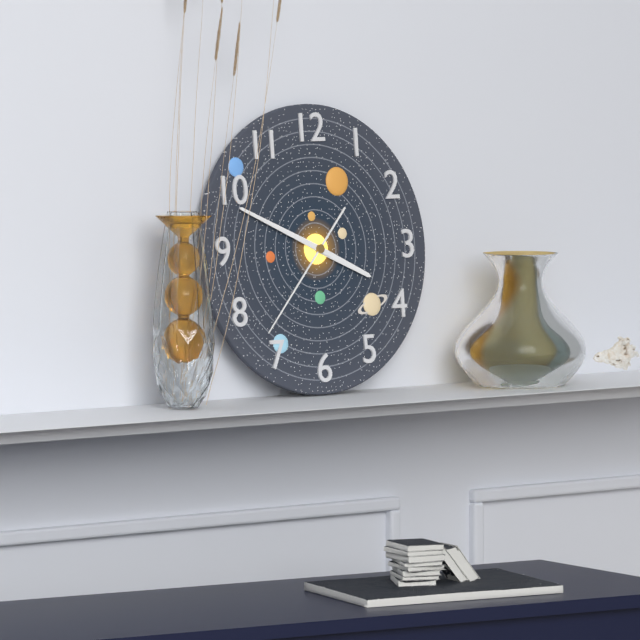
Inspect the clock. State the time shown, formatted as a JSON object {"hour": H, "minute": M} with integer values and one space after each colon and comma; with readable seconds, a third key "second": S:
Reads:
{"hour": 3, "minute": 49, "second": 37}
